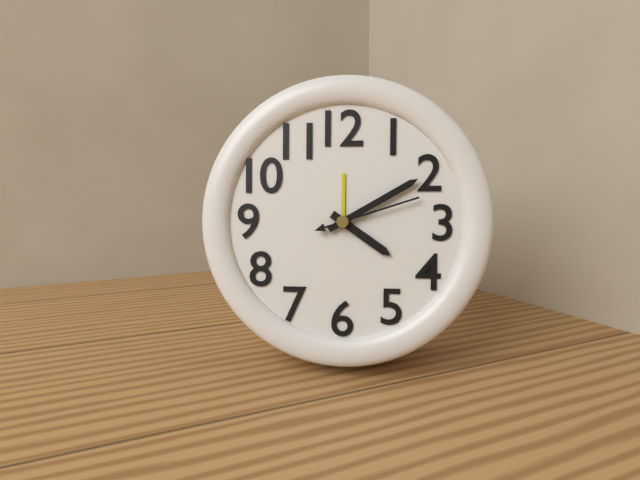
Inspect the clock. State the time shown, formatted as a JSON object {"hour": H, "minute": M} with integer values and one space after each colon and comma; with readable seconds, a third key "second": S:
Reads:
{"hour": 4, "minute": 10, "second": 12}
